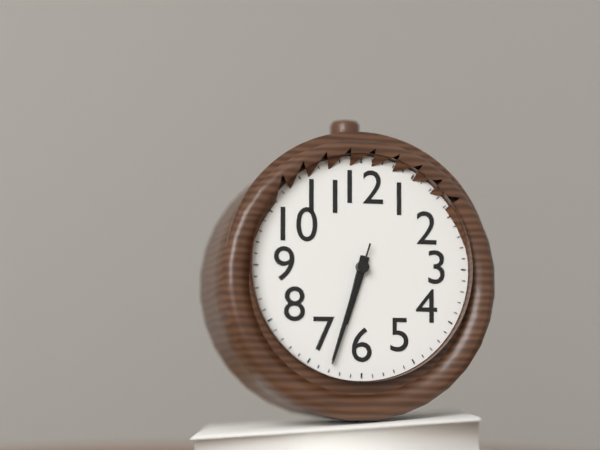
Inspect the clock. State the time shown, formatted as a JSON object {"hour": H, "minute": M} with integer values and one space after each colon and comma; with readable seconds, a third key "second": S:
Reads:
{"hour": 6, "minute": 33, "second": 33}
